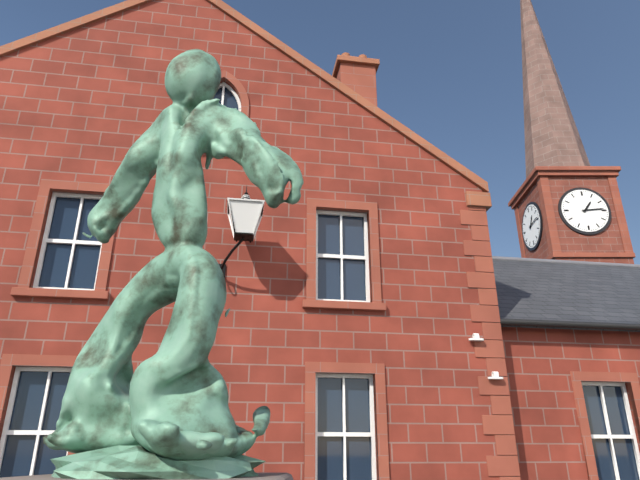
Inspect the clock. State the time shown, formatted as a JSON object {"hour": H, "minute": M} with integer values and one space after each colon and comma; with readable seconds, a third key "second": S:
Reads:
{"hour": 1, "minute": 14}
